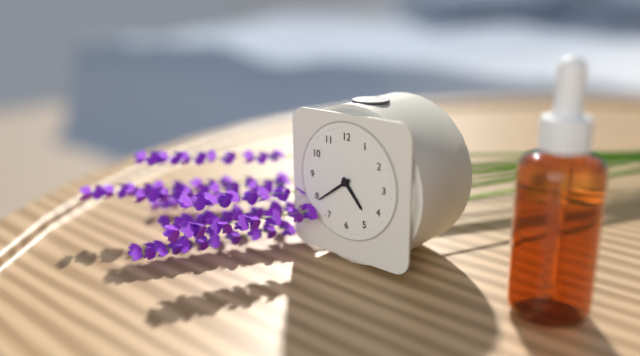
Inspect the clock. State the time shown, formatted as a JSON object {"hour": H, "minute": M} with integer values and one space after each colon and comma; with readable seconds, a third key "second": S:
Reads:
{"hour": 4, "minute": 39}
